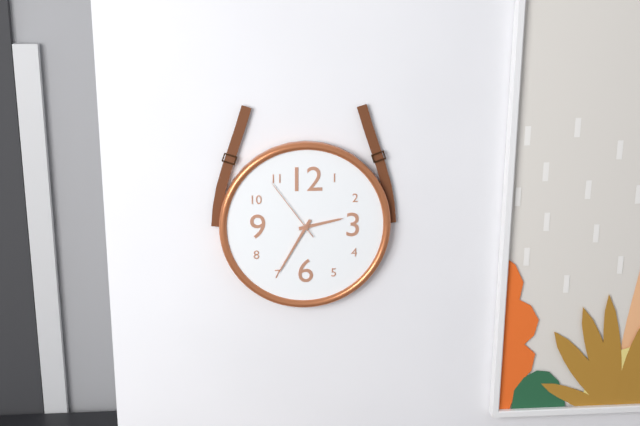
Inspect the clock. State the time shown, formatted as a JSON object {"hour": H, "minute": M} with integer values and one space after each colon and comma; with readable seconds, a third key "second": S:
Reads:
{"hour": 2, "minute": 35, "second": 54}
